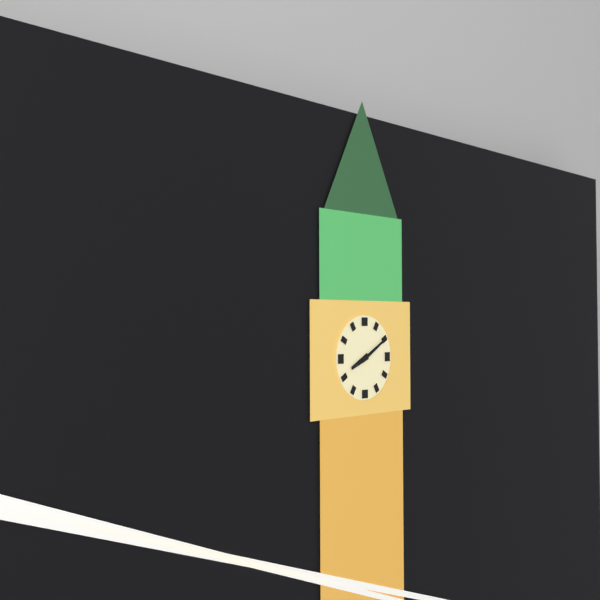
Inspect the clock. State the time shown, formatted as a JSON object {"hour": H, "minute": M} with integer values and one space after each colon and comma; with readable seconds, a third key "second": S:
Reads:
{"hour": 8, "minute": 10}
